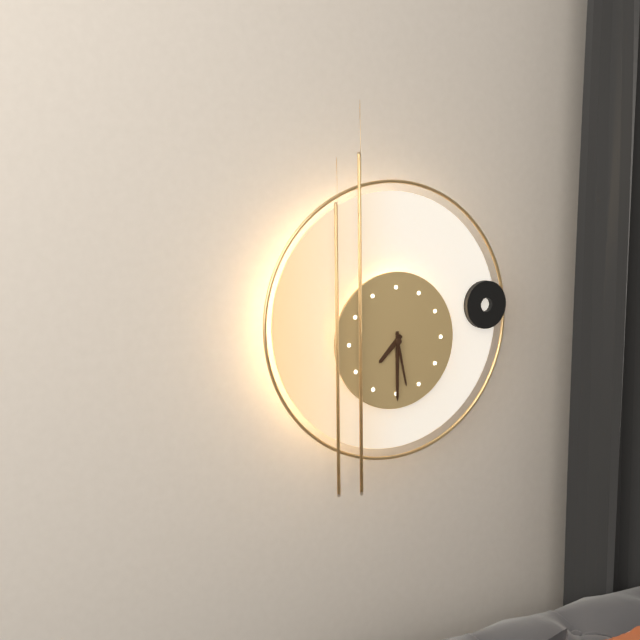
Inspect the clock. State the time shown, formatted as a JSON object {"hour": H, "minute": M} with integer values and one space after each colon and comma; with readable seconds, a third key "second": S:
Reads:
{"hour": 7, "minute": 30, "second": 28}
